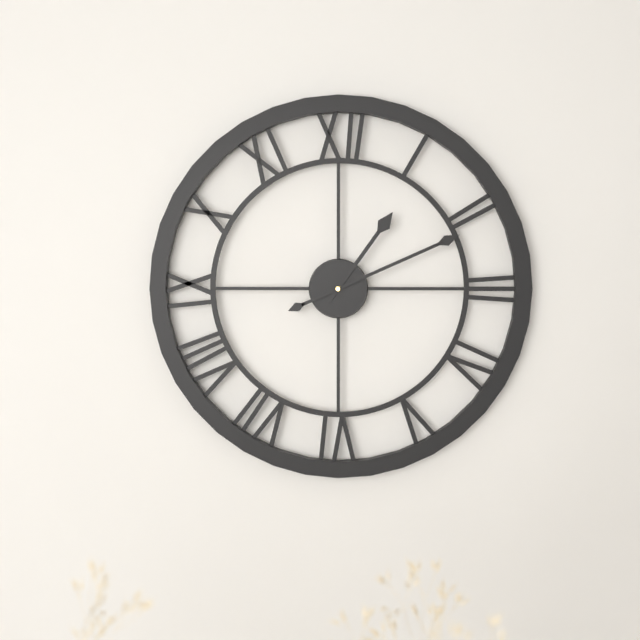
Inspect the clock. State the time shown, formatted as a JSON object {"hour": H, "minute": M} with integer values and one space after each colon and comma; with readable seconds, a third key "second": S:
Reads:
{"hour": 1, "minute": 11}
